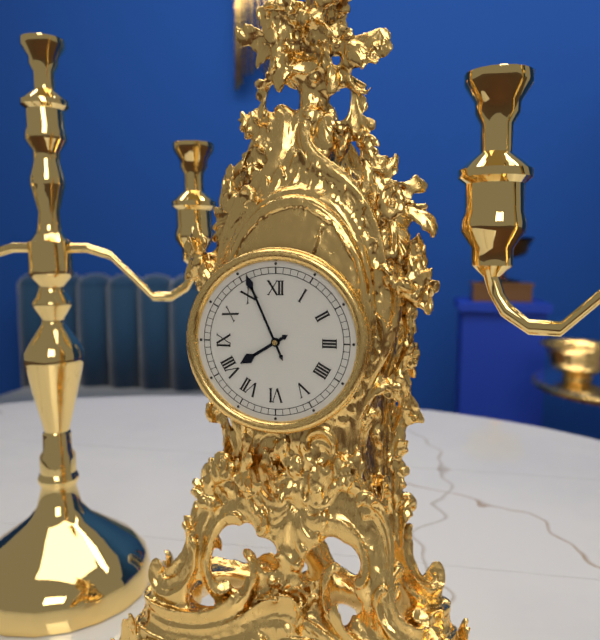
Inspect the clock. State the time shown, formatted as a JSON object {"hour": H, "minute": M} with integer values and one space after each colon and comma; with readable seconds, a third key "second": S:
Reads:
{"hour": 7, "minute": 56}
